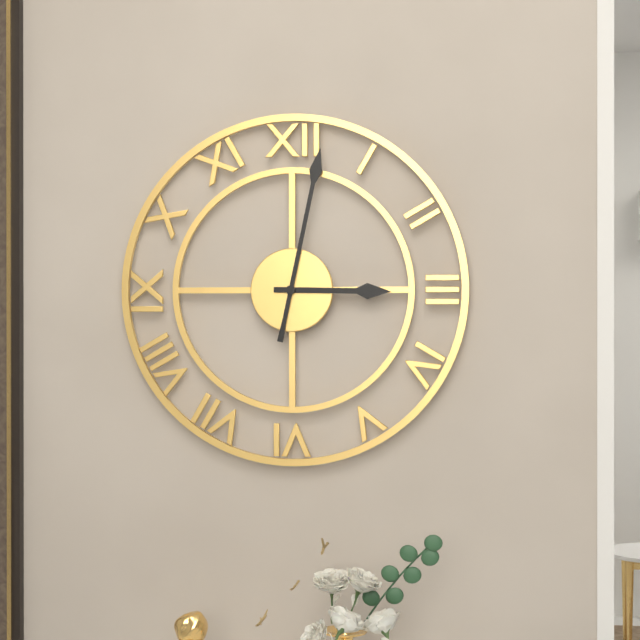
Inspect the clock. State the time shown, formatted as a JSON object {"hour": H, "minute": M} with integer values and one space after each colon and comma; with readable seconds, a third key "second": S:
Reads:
{"hour": 3, "minute": 2}
